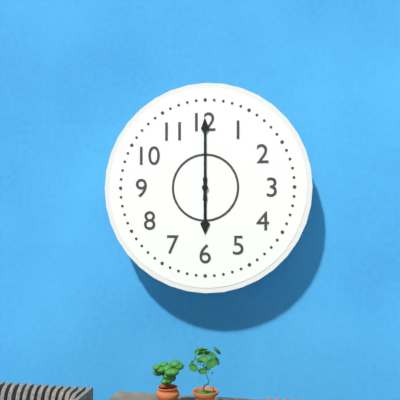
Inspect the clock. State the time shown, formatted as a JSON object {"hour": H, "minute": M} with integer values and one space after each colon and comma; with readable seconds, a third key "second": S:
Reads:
{"hour": 6, "minute": 0}
